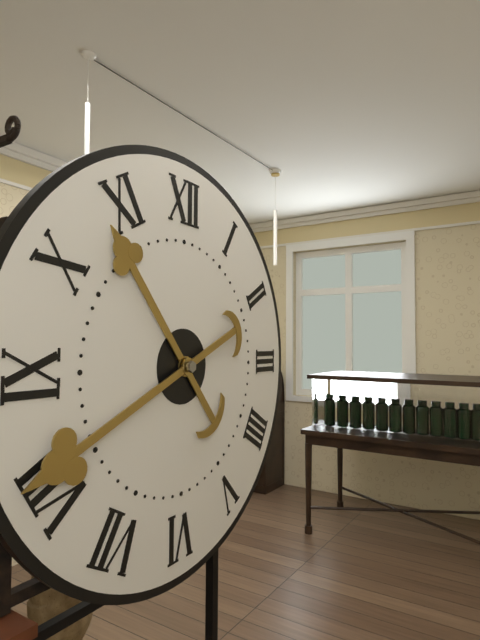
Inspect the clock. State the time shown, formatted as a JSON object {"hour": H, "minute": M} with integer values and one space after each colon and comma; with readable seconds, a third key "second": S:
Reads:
{"hour": 10, "minute": 41}
